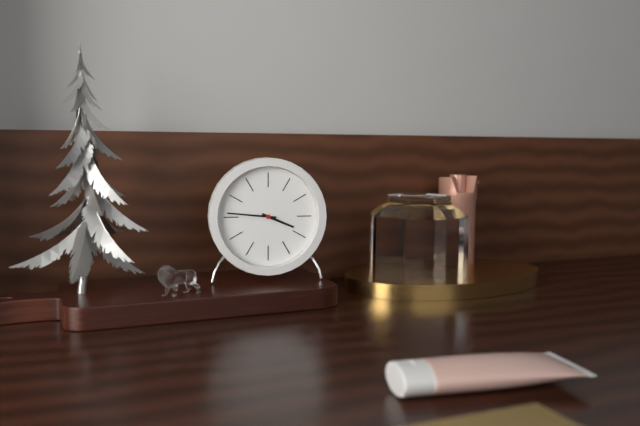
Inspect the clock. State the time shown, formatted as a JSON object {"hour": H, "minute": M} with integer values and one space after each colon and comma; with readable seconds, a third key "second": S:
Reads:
{"hour": 3, "minute": 46}
